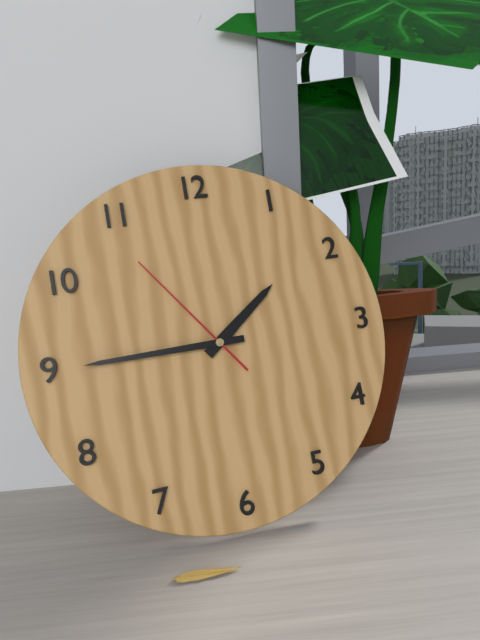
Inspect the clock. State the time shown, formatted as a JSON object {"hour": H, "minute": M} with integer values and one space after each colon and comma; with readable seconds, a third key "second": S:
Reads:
{"hour": 1, "minute": 45, "second": 54}
